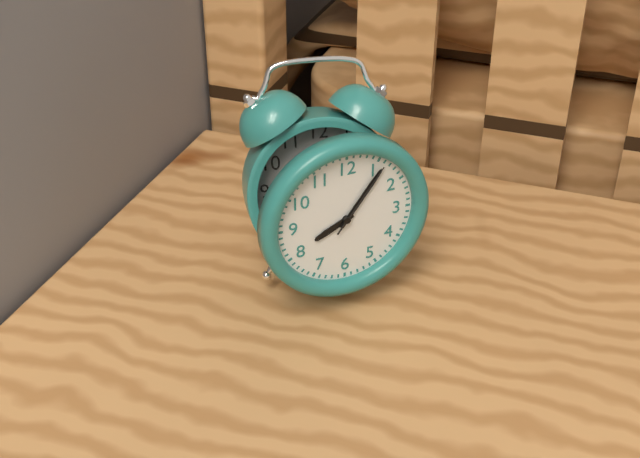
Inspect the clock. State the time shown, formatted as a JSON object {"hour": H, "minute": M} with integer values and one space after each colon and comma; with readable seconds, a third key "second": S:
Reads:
{"hour": 8, "minute": 6, "second": 6}
